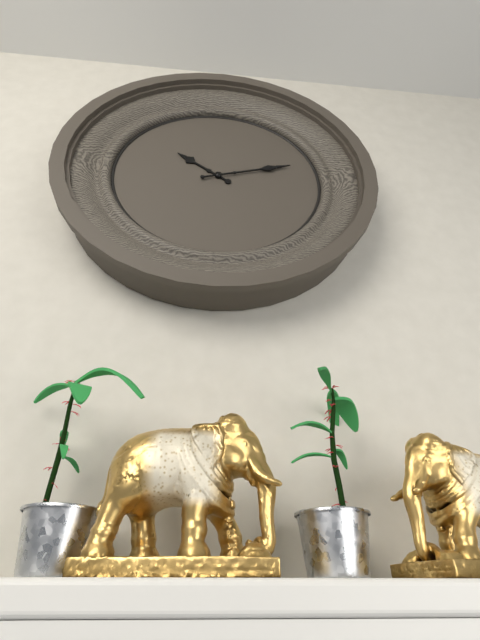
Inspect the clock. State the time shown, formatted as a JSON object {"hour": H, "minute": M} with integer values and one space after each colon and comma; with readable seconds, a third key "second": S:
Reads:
{"hour": 10, "minute": 12}
